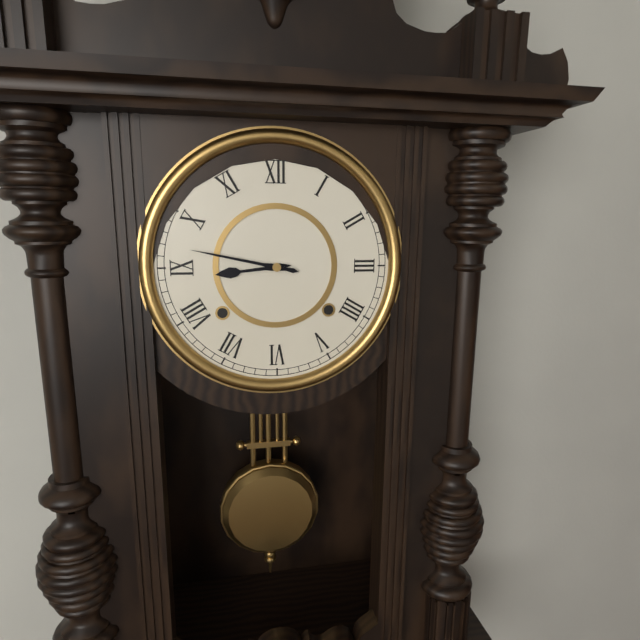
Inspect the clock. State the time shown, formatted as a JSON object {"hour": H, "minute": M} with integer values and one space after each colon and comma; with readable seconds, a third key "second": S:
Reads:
{"hour": 8, "minute": 47}
